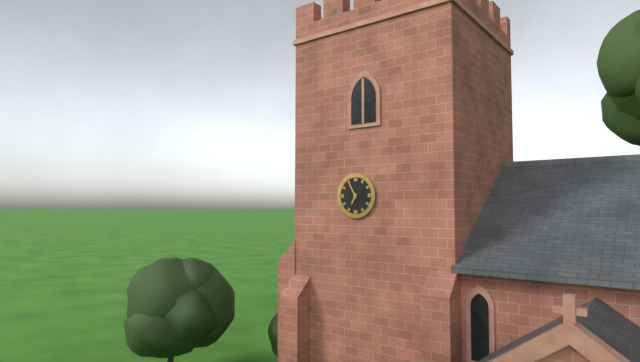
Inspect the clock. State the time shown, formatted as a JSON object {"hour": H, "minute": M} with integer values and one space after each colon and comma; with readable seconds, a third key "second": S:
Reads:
{"hour": 6, "minute": 55}
